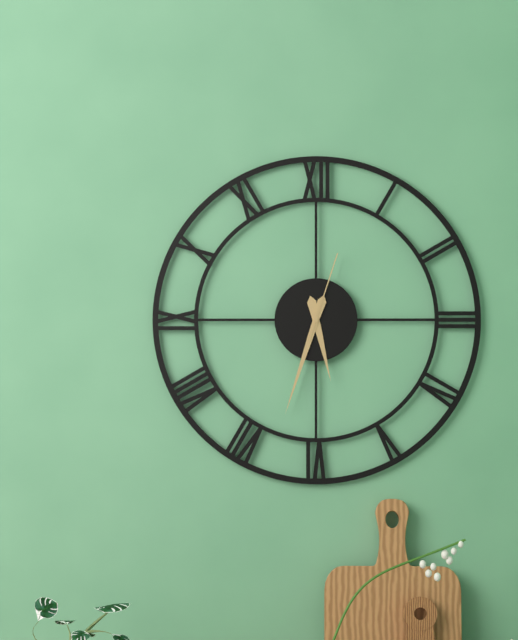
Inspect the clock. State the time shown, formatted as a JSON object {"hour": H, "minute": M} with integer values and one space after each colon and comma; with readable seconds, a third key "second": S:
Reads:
{"hour": 5, "minute": 33, "second": 3}
